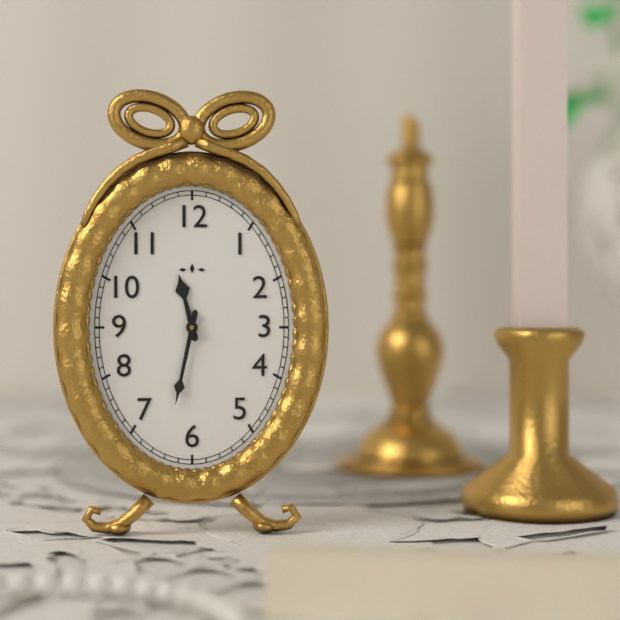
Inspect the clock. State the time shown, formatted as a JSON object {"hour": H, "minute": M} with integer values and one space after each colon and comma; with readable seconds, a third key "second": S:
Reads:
{"hour": 11, "minute": 32}
